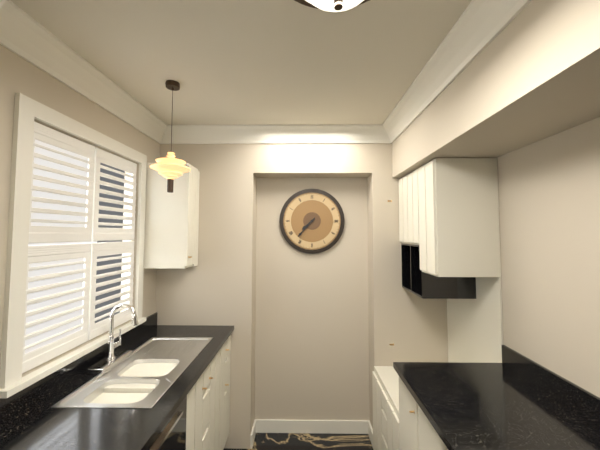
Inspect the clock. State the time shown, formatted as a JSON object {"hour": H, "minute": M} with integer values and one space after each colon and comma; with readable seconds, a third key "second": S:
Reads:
{"hour": 7, "minute": 37}
